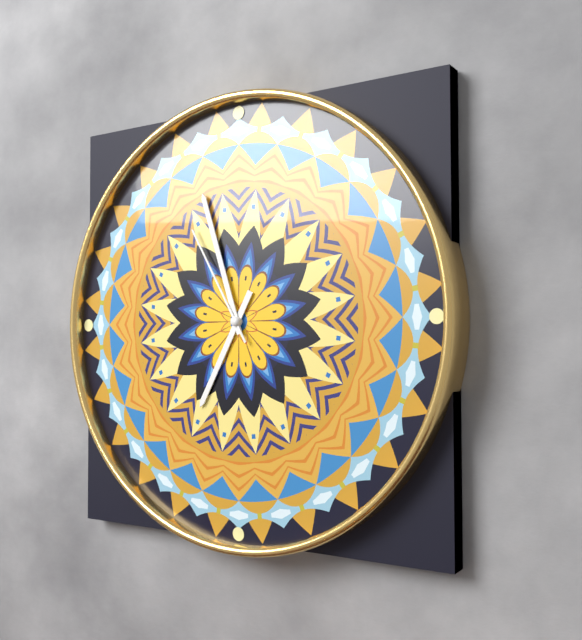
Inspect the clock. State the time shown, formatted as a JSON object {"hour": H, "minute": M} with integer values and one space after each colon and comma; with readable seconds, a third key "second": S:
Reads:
{"hour": 6, "minute": 57, "second": 55}
